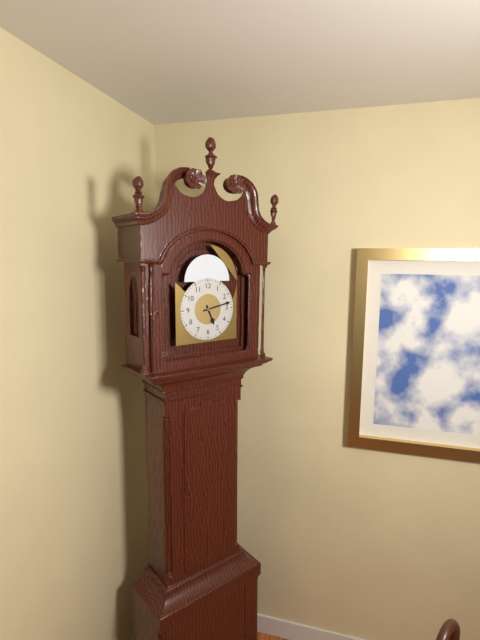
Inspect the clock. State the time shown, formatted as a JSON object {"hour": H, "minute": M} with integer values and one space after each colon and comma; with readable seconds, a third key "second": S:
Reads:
{"hour": 5, "minute": 13}
